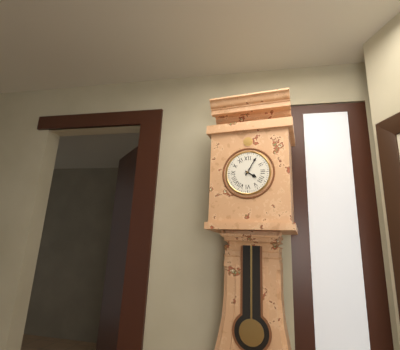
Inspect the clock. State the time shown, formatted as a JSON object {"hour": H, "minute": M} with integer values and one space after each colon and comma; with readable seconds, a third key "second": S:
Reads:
{"hour": 4, "minute": 5}
